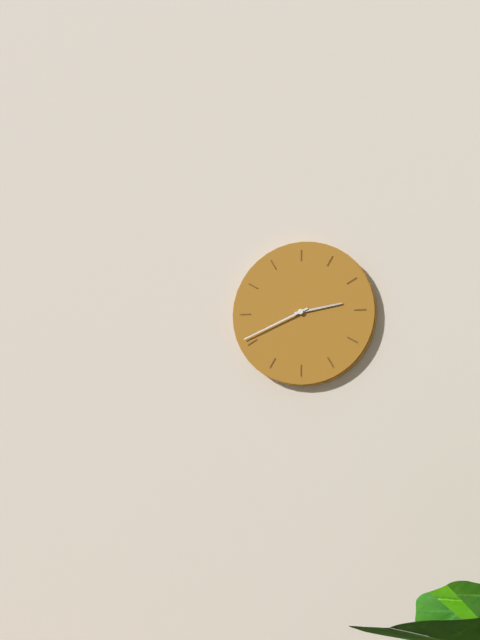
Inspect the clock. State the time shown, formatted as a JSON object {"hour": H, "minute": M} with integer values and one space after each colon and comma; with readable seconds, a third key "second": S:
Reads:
{"hour": 2, "minute": 41}
